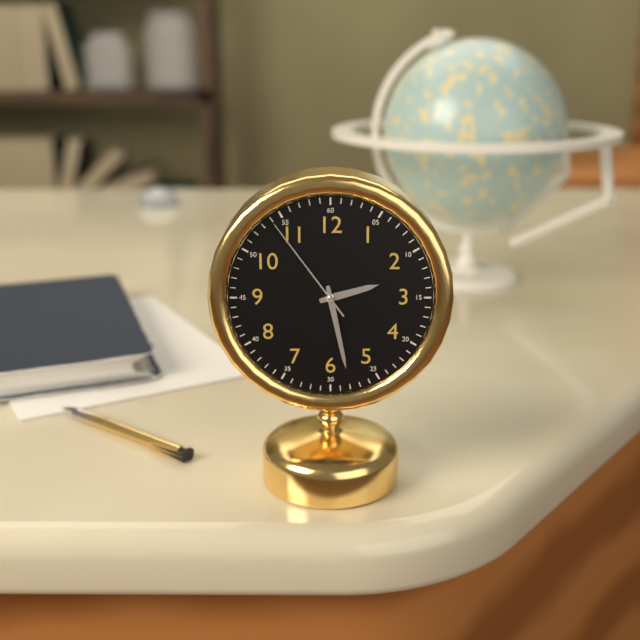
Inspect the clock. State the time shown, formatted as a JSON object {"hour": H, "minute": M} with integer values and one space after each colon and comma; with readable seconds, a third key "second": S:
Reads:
{"hour": 2, "minute": 28, "second": 54}
